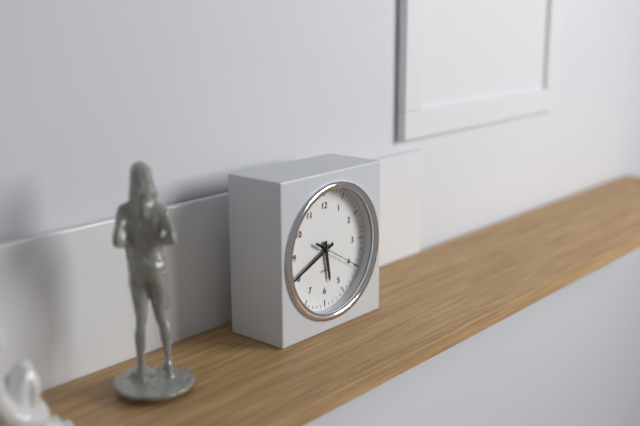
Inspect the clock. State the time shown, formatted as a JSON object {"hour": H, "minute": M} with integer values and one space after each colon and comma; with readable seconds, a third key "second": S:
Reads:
{"hour": 5, "minute": 41}
